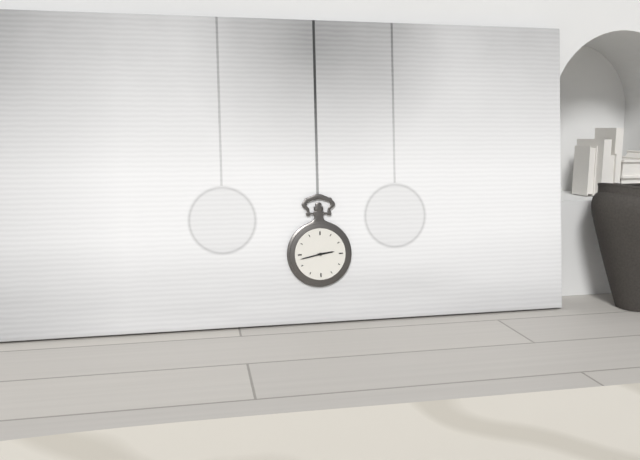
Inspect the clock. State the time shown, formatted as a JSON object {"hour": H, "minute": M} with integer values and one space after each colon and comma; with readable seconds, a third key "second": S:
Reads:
{"hour": 2, "minute": 43}
